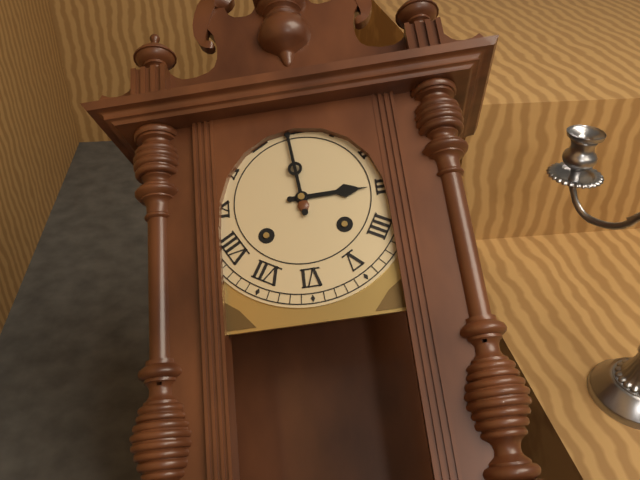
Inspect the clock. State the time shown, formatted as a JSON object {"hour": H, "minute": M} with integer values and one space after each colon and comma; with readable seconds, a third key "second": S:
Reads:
{"hour": 2, "minute": 59}
